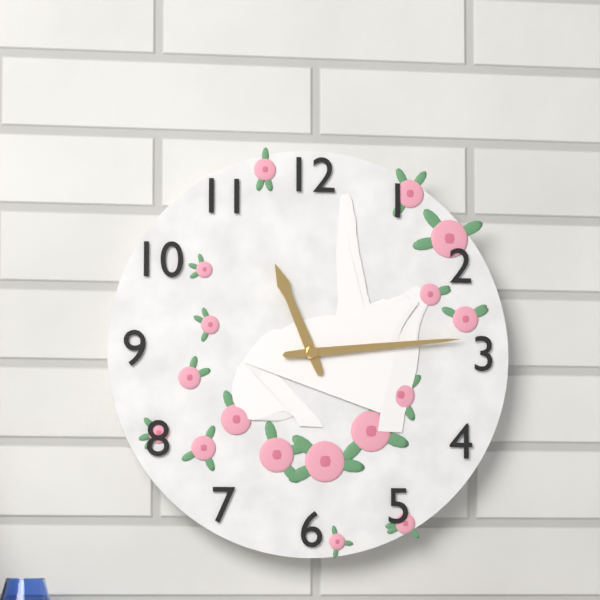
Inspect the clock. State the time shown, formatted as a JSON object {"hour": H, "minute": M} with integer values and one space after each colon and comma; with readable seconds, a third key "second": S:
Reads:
{"hour": 11, "minute": 14}
